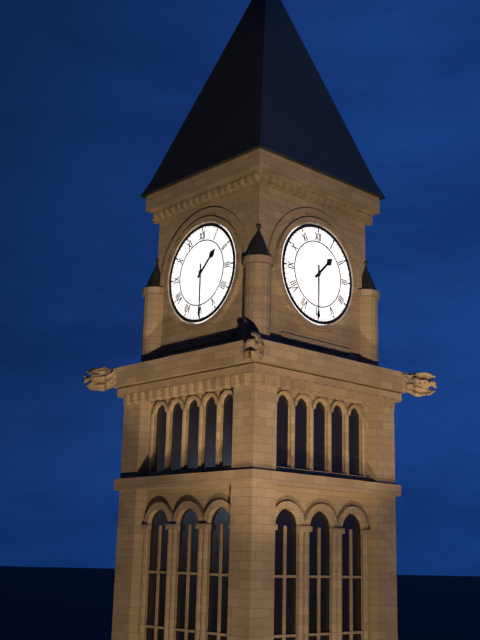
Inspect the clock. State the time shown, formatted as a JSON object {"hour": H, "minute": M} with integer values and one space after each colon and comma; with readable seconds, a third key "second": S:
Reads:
{"hour": 1, "minute": 30}
